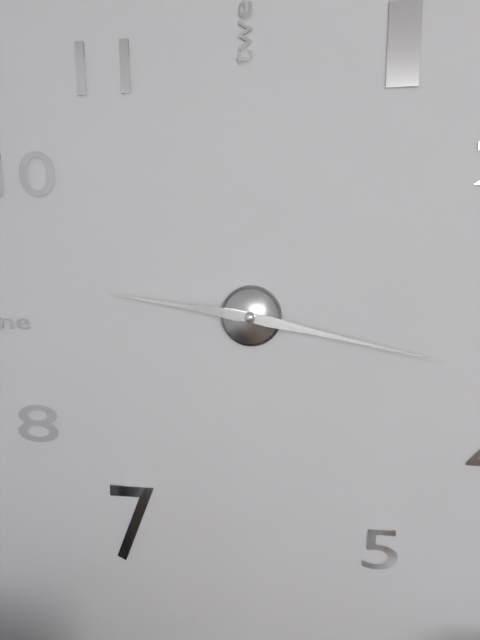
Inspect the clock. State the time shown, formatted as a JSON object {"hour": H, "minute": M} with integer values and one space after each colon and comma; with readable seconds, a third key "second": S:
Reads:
{"hour": 9, "minute": 17}
